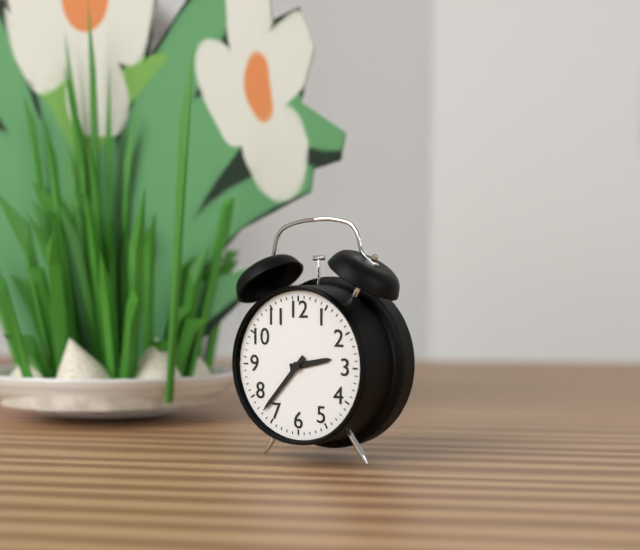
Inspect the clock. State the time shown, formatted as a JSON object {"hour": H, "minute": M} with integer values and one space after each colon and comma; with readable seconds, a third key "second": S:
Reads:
{"hour": 2, "minute": 37}
